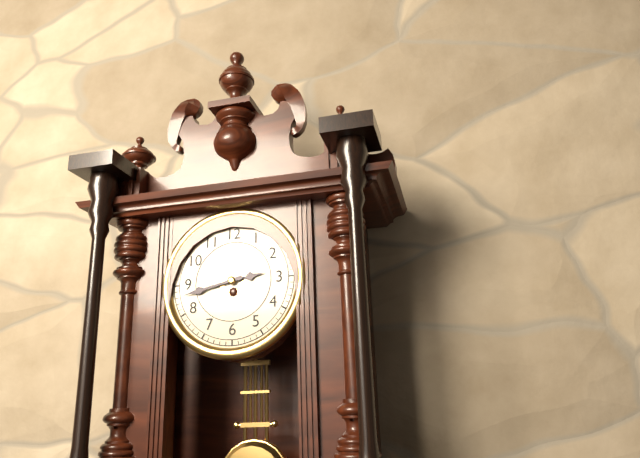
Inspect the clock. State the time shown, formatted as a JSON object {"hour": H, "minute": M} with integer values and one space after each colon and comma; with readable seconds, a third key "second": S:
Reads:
{"hour": 2, "minute": 43}
